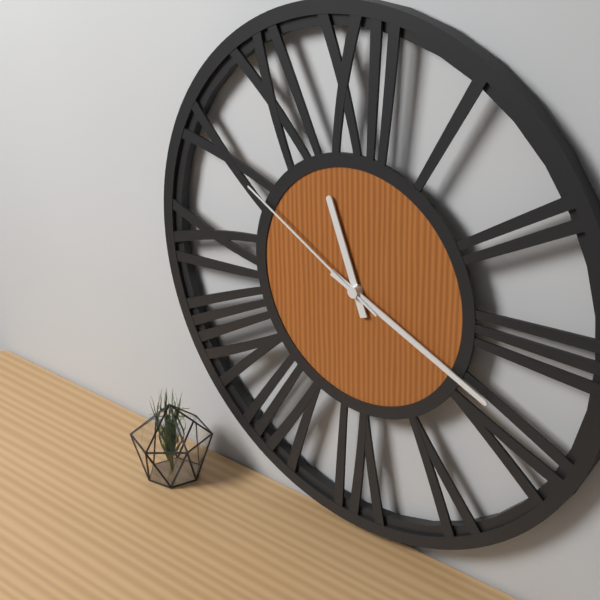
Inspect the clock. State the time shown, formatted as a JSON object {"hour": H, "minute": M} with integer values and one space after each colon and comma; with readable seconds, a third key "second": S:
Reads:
{"hour": 11, "minute": 19, "second": 50}
